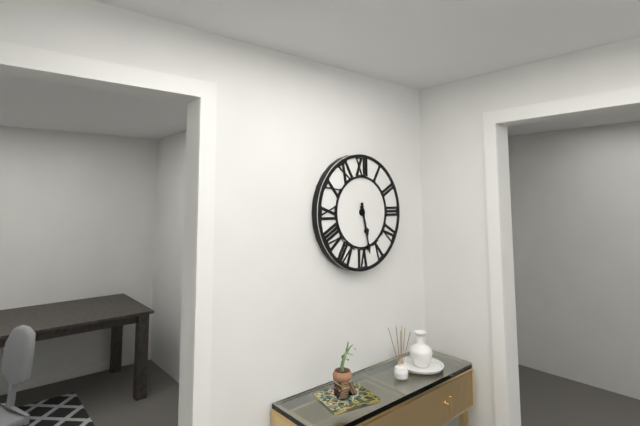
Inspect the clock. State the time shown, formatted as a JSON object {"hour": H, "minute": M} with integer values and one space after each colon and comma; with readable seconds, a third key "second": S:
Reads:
{"hour": 5, "minute": 28}
